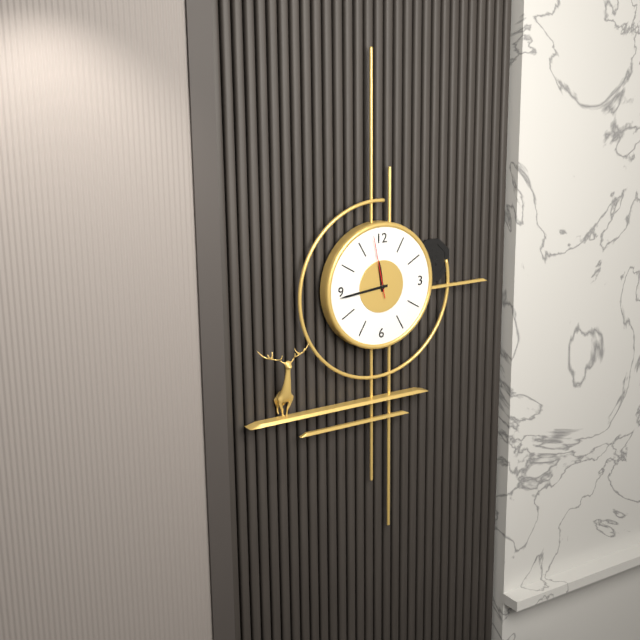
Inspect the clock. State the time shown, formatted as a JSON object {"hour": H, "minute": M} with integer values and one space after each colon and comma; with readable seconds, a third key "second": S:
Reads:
{"hour": 11, "minute": 44, "second": 58}
